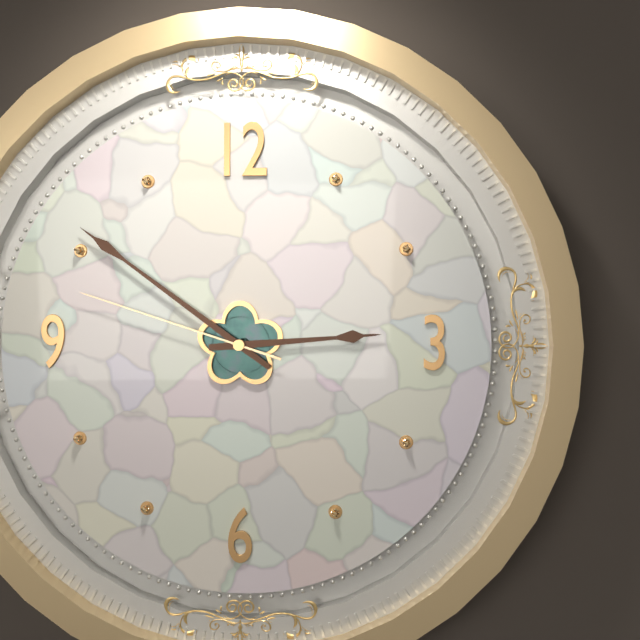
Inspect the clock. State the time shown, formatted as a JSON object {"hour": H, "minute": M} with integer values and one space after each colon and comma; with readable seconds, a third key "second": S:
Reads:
{"hour": 2, "minute": 51, "second": 48}
